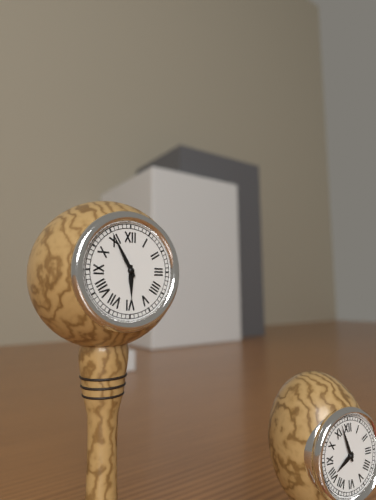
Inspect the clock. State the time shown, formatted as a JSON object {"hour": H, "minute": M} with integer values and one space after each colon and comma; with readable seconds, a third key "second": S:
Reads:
{"hour": 5, "minute": 55}
